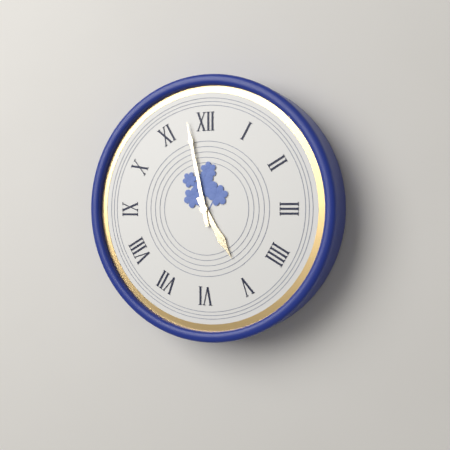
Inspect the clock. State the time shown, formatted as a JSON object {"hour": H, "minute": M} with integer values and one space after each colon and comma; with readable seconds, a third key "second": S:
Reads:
{"hour": 4, "minute": 58}
